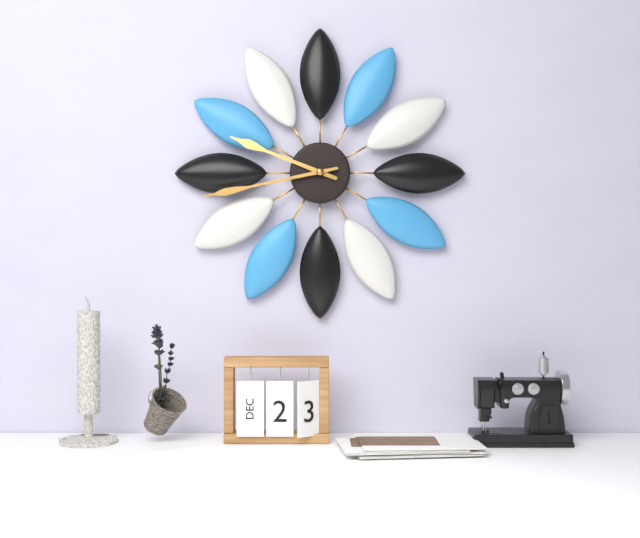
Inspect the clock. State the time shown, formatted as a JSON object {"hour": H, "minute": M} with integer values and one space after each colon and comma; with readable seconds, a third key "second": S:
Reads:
{"hour": 9, "minute": 43}
